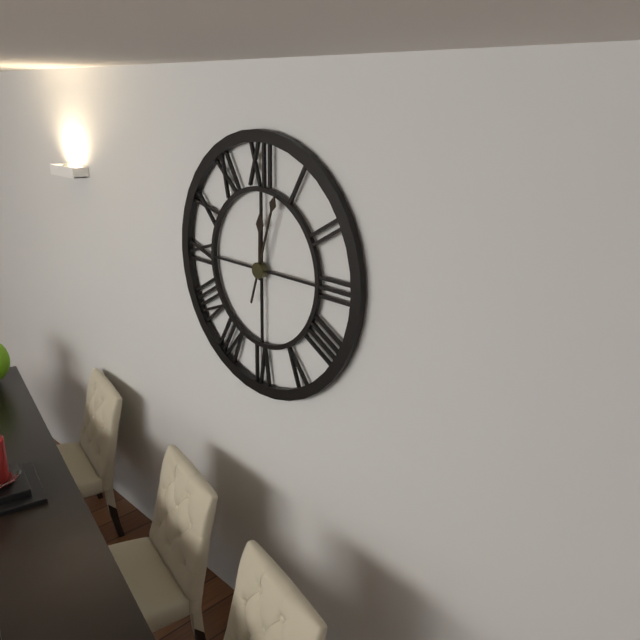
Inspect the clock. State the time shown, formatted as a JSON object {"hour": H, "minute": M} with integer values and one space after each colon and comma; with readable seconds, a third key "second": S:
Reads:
{"hour": 12, "minute": 3}
